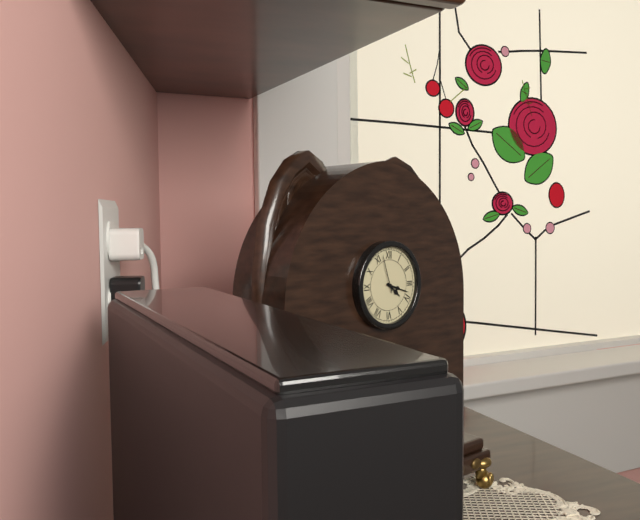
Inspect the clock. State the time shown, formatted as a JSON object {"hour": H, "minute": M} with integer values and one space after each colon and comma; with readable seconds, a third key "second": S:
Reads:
{"hour": 4, "minute": 18}
